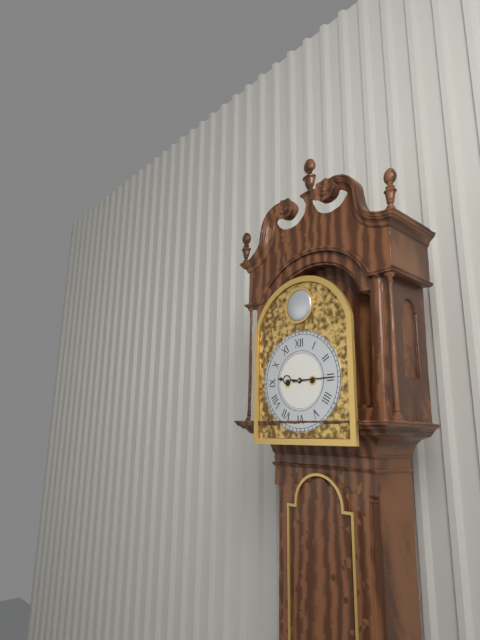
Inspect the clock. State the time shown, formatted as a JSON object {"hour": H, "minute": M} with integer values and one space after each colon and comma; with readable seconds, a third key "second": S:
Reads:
{"hour": 9, "minute": 15}
